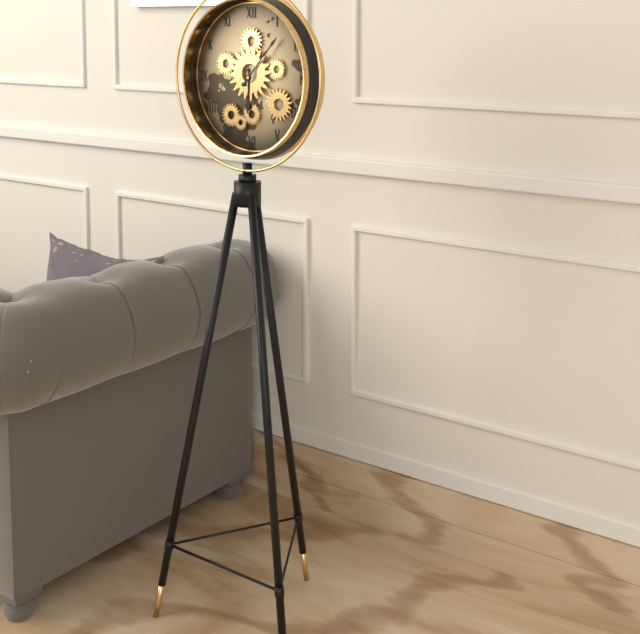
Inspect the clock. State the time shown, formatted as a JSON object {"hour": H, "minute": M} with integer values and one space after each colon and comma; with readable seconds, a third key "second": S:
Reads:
{"hour": 6, "minute": 7}
